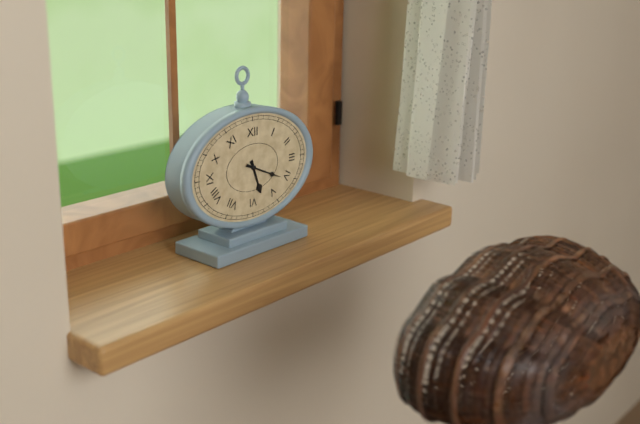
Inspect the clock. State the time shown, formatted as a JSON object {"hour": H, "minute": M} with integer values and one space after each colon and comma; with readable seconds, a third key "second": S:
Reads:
{"hour": 5, "minute": 19}
